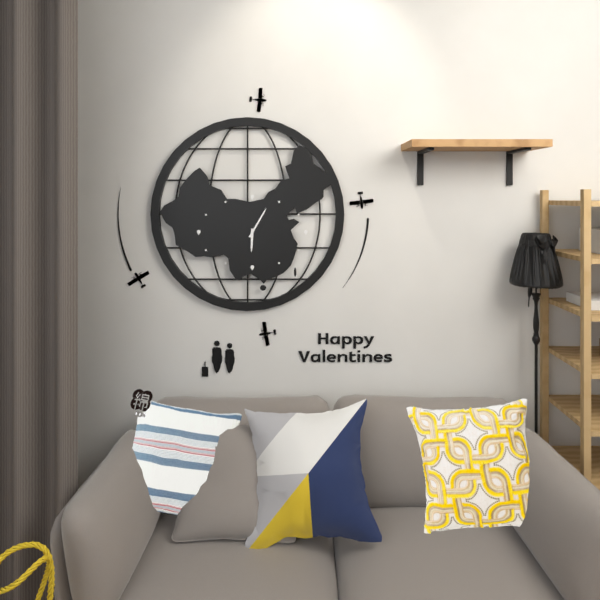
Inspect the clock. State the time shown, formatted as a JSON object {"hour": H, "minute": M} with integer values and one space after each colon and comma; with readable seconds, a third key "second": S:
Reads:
{"hour": 6, "minute": 5}
